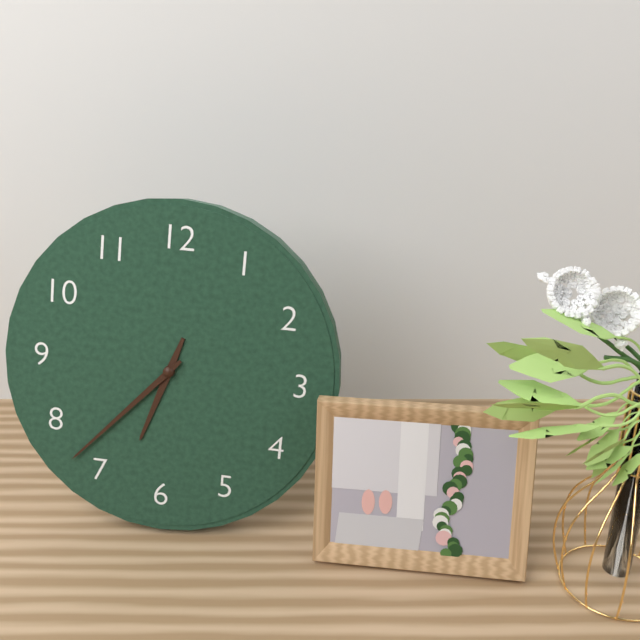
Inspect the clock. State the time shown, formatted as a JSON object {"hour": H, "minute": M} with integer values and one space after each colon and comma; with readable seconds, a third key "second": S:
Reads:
{"hour": 6, "minute": 37}
